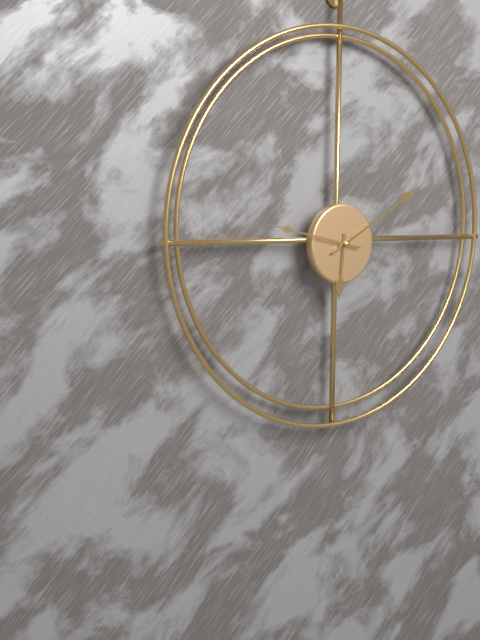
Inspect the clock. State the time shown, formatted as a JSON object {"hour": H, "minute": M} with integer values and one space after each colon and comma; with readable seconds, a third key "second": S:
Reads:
{"hour": 6, "minute": 10, "second": 47}
